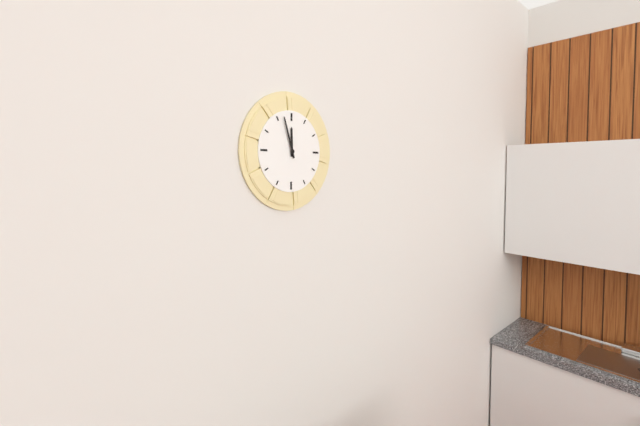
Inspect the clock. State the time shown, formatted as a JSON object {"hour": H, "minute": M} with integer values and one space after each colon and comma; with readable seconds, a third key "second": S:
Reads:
{"hour": 11, "minute": 57}
